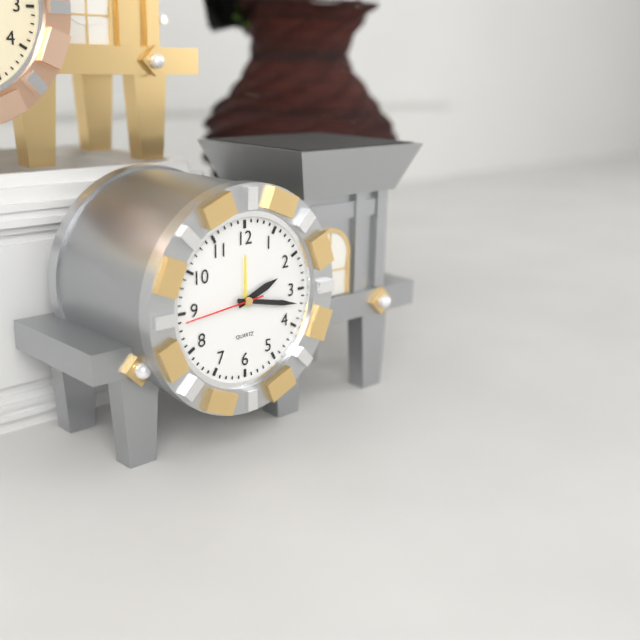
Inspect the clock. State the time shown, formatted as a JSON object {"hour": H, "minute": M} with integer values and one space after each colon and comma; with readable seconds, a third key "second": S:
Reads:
{"hour": 2, "minute": 17, "second": 44}
